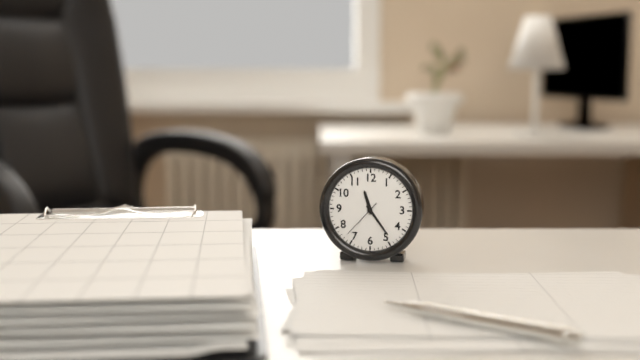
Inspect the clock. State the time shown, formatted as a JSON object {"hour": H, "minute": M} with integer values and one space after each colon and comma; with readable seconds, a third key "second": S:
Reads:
{"hour": 11, "minute": 24}
